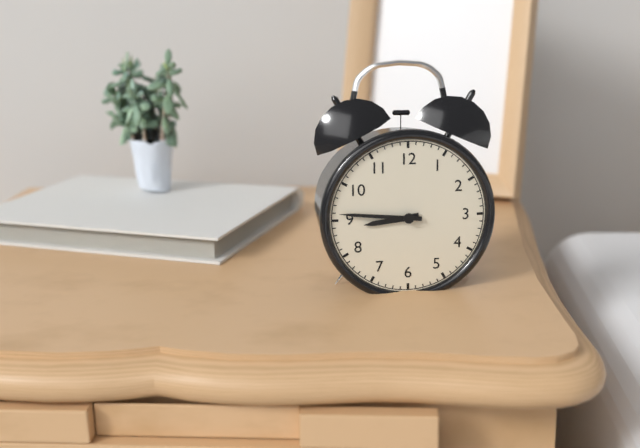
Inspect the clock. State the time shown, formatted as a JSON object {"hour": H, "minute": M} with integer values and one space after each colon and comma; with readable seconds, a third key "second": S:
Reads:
{"hour": 8, "minute": 46}
